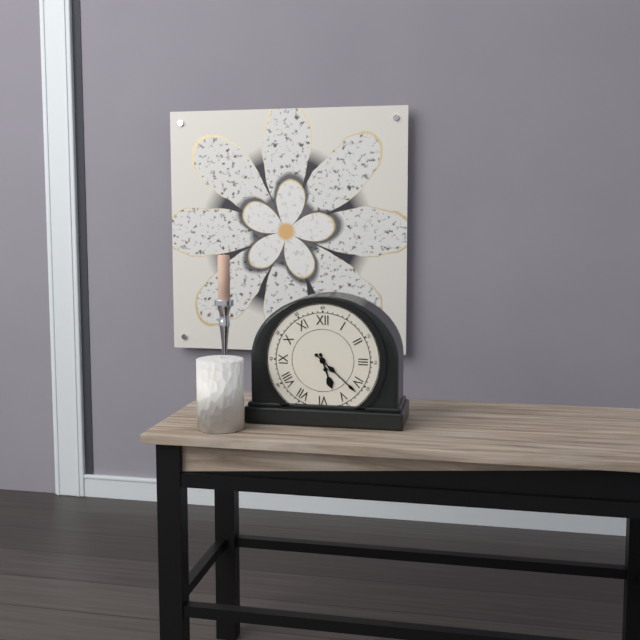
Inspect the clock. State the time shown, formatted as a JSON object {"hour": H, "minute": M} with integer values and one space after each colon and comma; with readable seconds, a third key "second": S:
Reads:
{"hour": 5, "minute": 22}
